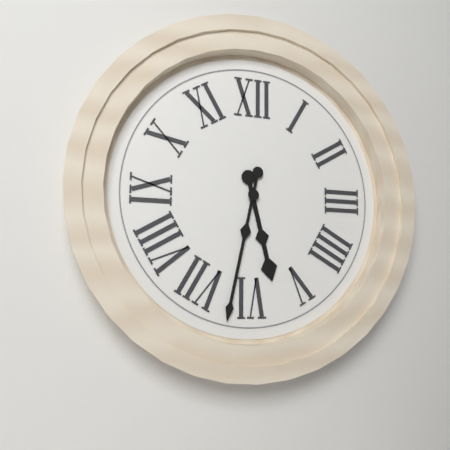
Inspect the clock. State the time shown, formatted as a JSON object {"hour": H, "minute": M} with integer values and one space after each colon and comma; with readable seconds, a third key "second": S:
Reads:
{"hour": 5, "minute": 32}
